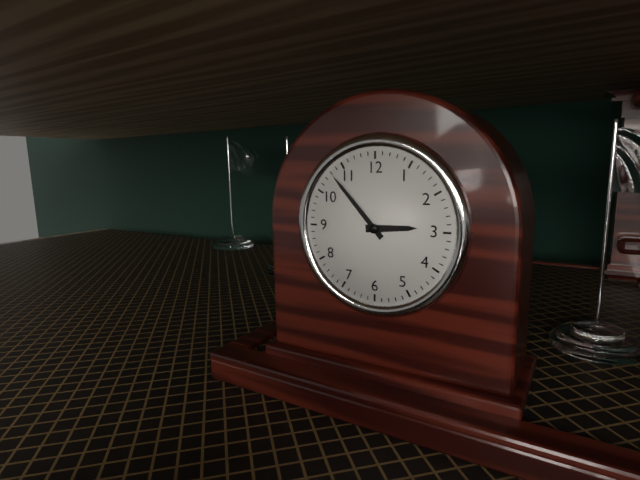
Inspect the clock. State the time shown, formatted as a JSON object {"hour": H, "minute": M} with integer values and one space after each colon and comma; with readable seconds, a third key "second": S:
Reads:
{"hour": 2, "minute": 53}
